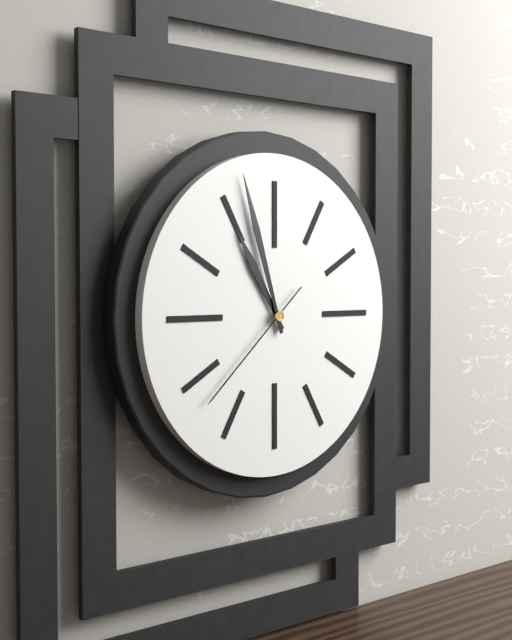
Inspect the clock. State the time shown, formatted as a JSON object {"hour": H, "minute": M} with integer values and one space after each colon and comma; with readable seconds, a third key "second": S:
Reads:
{"hour": 10, "minute": 57, "second": 38}
